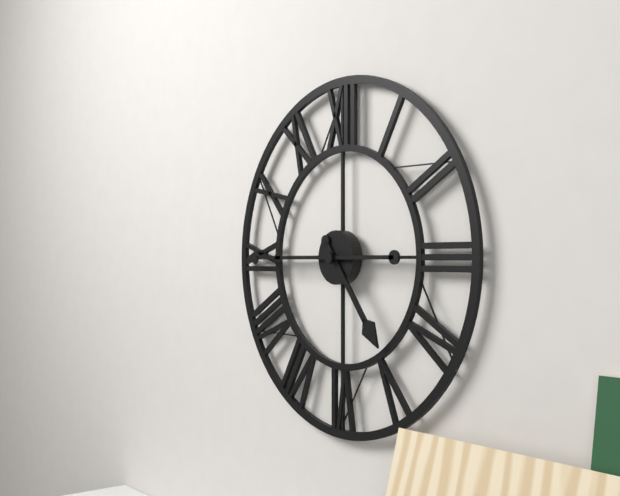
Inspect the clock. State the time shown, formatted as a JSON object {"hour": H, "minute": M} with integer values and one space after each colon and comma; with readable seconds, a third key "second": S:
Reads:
{"hour": 4, "minute": 45}
